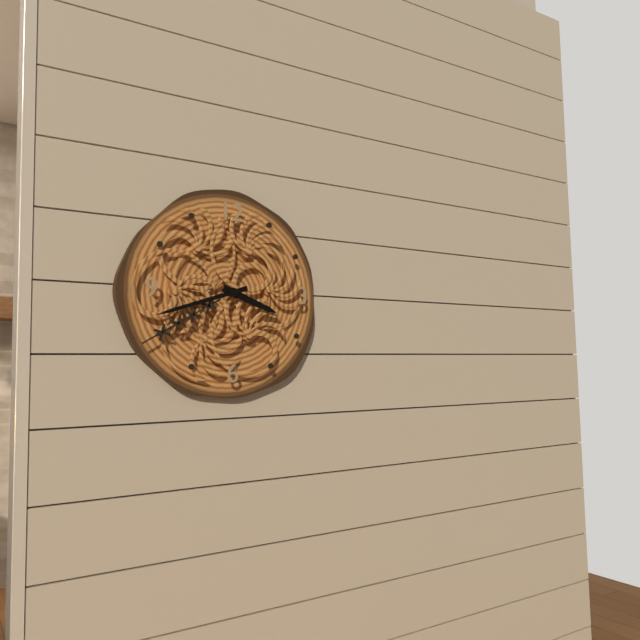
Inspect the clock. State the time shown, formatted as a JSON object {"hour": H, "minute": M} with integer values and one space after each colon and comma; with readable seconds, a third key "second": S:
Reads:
{"hour": 3, "minute": 42}
